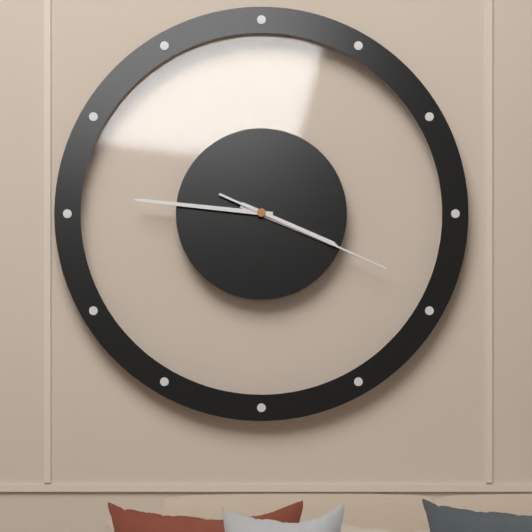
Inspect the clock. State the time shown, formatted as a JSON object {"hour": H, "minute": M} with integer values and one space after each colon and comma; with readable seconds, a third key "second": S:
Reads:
{"hour": 3, "minute": 46, "second": 19}
